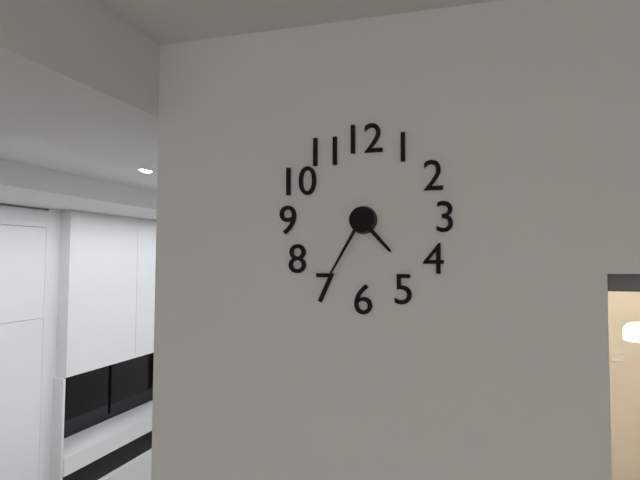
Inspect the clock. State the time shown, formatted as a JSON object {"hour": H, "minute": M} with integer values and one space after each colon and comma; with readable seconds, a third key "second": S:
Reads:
{"hour": 4, "minute": 35}
